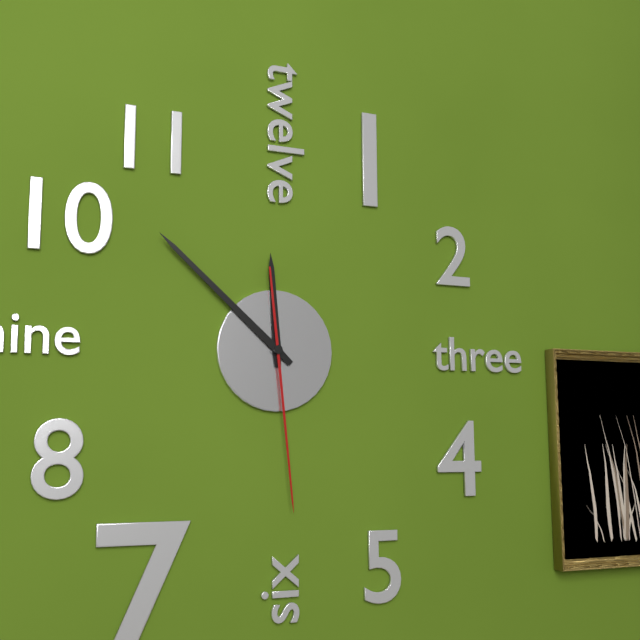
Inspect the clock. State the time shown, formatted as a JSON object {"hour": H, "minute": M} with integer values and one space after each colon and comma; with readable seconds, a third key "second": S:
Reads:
{"hour": 11, "minute": 52, "second": 29}
